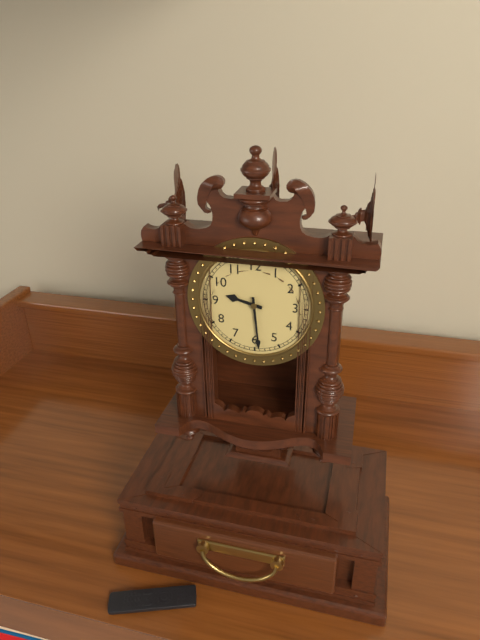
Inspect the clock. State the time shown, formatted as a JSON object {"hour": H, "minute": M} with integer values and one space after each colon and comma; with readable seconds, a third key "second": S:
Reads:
{"hour": 9, "minute": 29}
